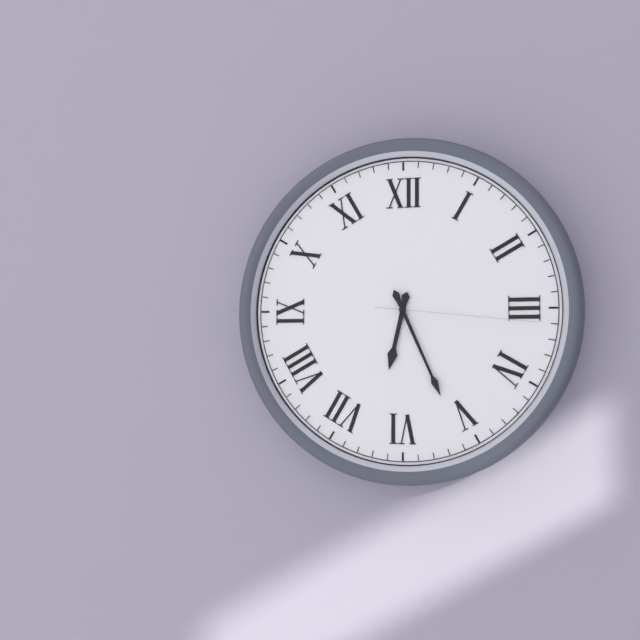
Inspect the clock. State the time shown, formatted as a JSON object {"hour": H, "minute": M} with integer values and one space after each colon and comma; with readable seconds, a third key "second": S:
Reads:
{"hour": 6, "minute": 26, "second": 16}
